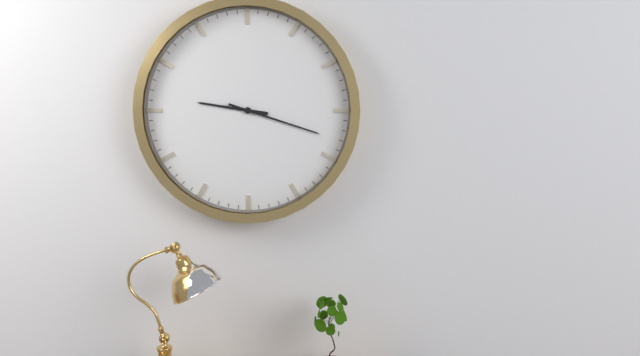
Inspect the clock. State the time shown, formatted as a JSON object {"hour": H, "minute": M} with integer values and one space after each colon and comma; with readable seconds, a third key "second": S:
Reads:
{"hour": 9, "minute": 18}
